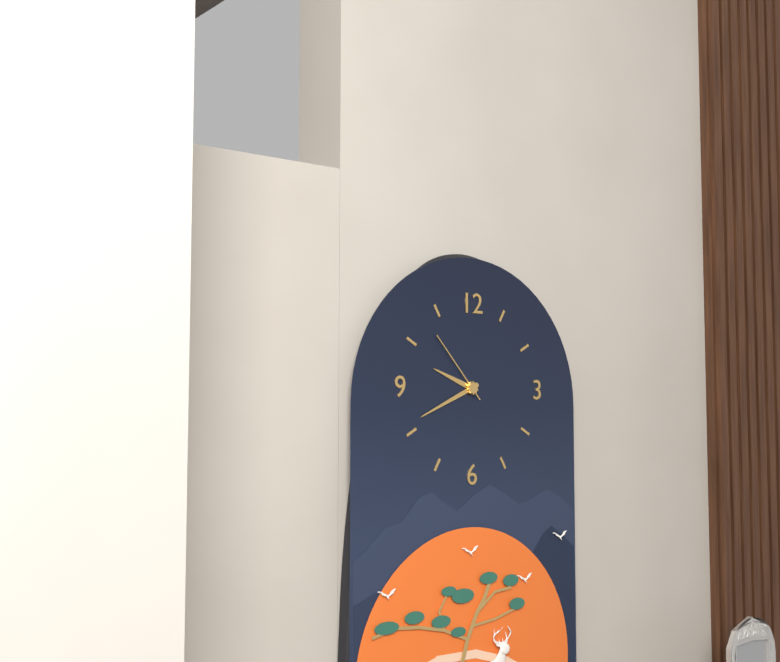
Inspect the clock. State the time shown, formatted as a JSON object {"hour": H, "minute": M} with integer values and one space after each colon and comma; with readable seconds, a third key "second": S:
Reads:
{"hour": 9, "minute": 41, "second": 53}
